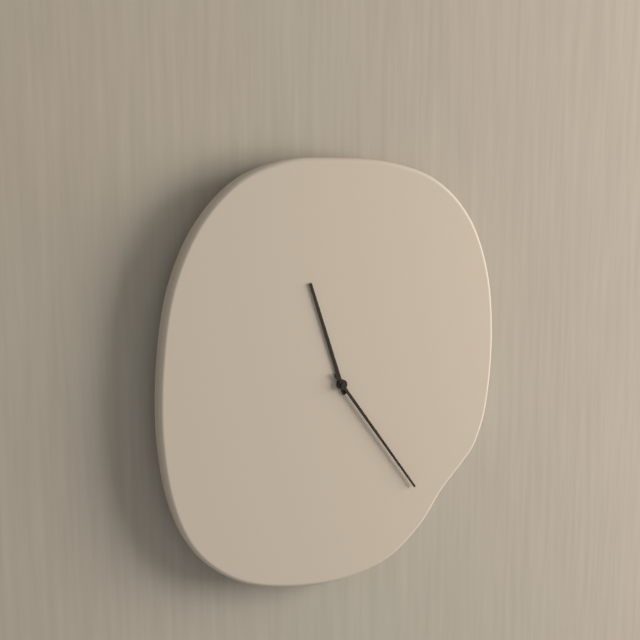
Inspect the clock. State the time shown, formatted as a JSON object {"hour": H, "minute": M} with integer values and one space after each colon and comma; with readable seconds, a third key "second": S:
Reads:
{"hour": 11, "minute": 24}
